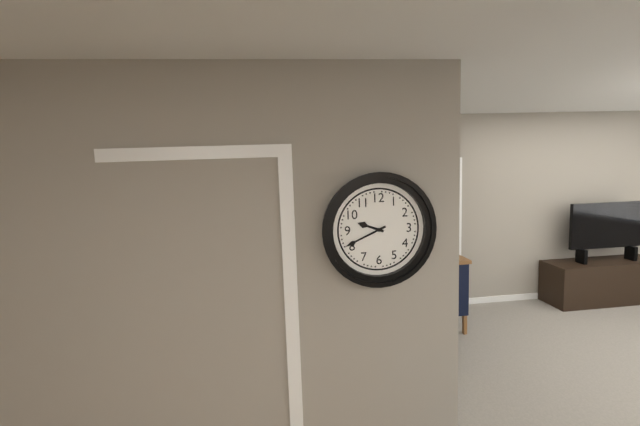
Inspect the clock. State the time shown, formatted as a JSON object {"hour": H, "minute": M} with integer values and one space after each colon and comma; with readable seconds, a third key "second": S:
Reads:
{"hour": 9, "minute": 41}
